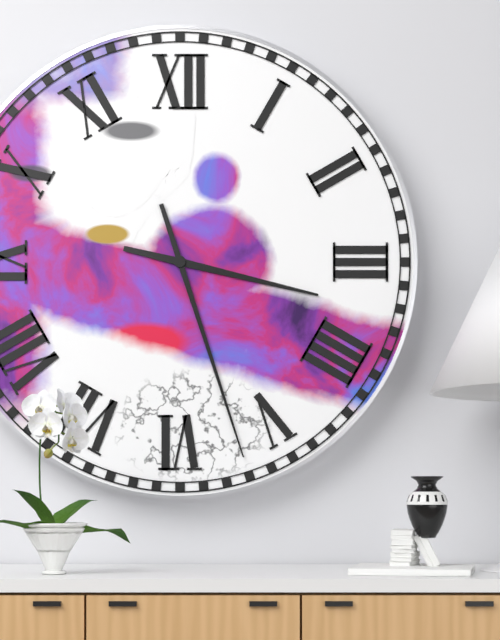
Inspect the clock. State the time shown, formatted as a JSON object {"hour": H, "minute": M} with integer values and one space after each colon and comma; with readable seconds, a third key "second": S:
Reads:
{"hour": 3, "minute": 27}
